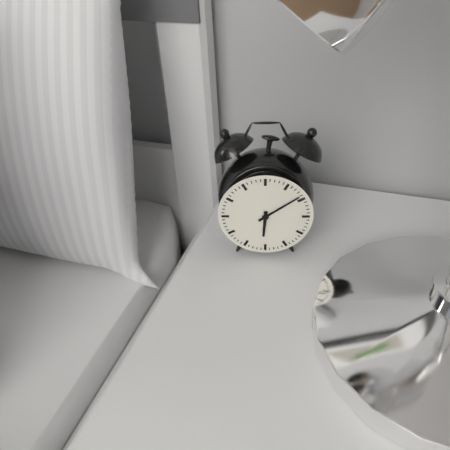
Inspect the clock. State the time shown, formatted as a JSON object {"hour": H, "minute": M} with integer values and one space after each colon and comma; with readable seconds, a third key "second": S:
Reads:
{"hour": 6, "minute": 9}
